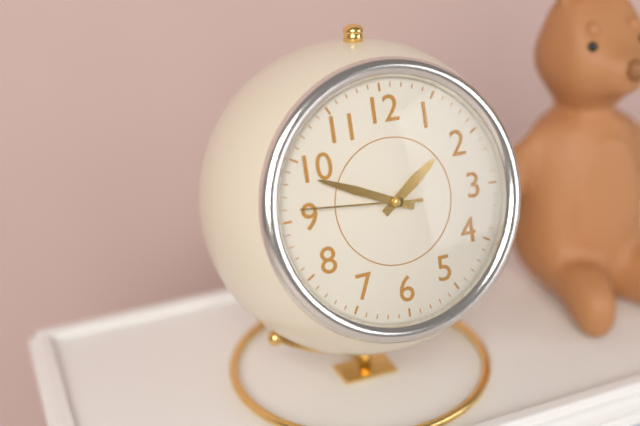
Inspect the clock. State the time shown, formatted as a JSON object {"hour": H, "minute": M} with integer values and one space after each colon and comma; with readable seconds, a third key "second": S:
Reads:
{"hour": 1, "minute": 49, "second": 46}
